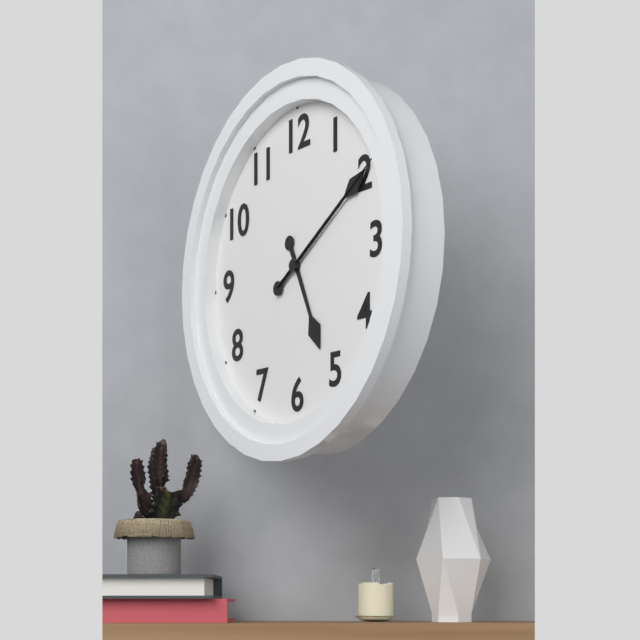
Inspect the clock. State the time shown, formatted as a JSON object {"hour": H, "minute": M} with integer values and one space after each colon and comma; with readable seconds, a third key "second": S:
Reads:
{"hour": 5, "minute": 10, "second": 10}
